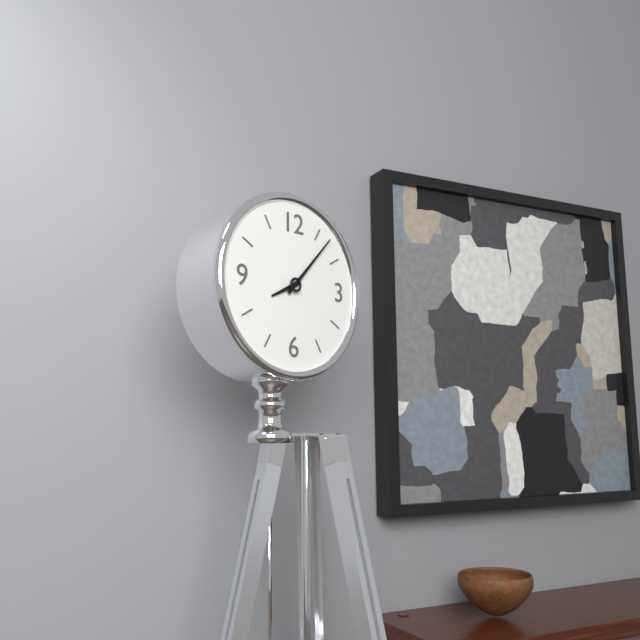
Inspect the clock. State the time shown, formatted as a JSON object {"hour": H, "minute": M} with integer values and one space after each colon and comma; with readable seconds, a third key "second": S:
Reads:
{"hour": 8, "minute": 7}
